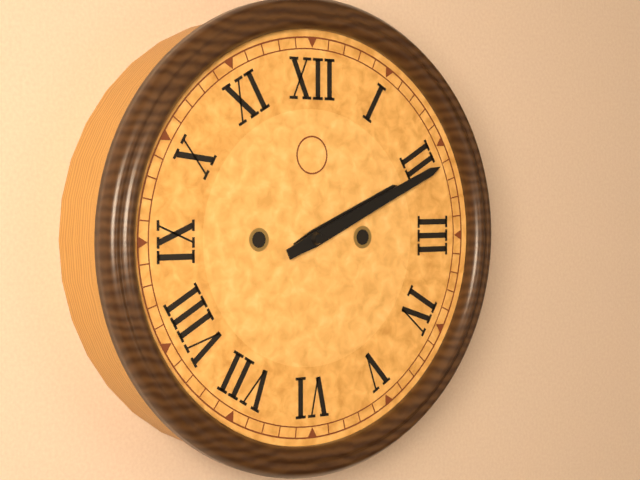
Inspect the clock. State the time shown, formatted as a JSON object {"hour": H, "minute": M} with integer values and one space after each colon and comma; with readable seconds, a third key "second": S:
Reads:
{"hour": 2, "minute": 11}
